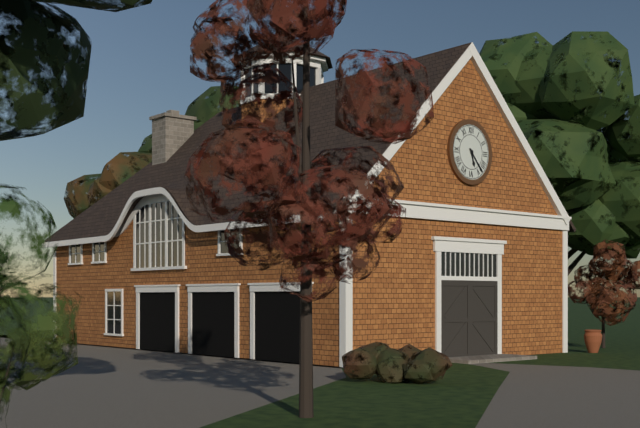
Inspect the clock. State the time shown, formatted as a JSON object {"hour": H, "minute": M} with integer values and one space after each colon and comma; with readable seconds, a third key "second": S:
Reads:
{"hour": 5, "minute": 23}
